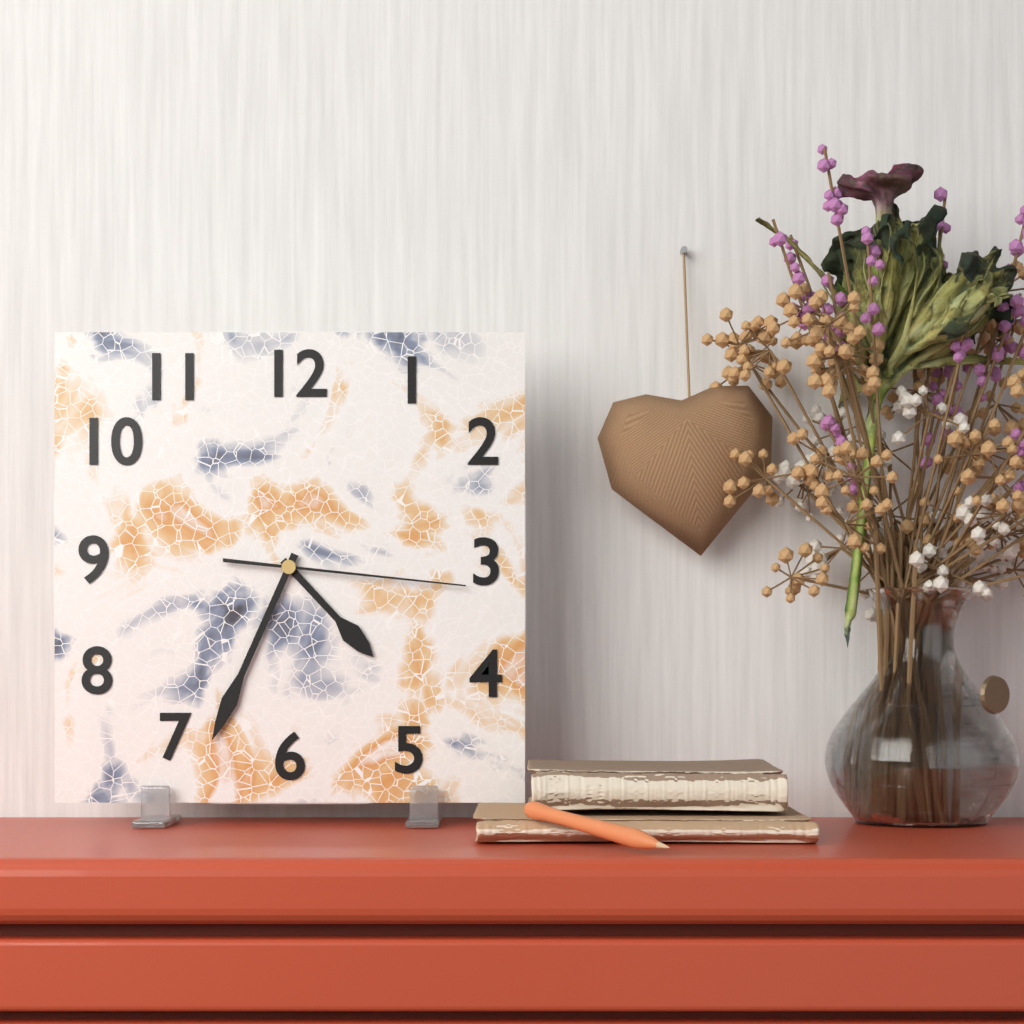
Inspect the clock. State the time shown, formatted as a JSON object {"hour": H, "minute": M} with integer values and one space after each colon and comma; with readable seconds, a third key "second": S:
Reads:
{"hour": 4, "minute": 34, "second": 16}
